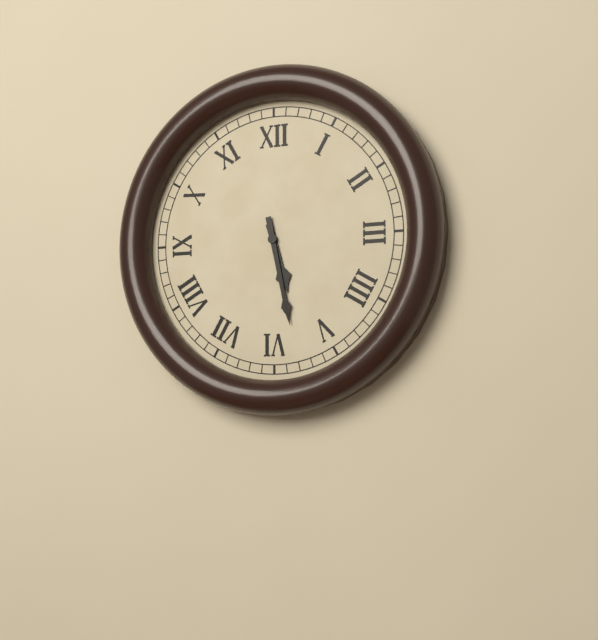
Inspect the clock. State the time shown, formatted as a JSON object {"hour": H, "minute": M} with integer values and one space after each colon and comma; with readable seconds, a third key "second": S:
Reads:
{"hour": 5, "minute": 28}
